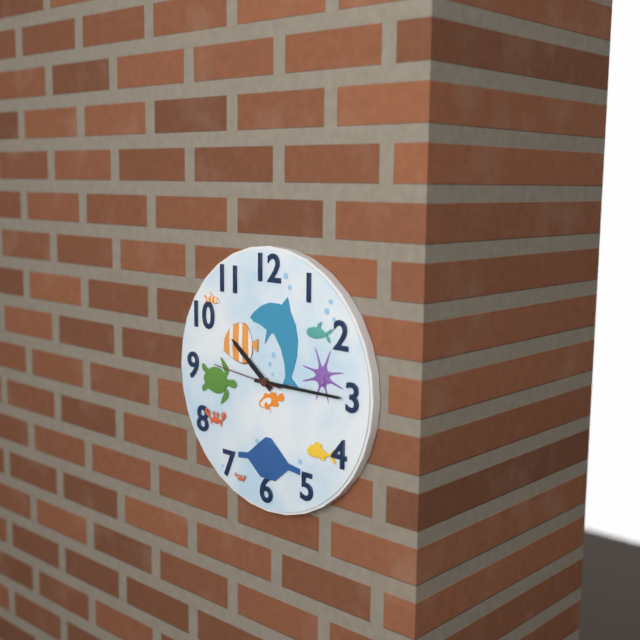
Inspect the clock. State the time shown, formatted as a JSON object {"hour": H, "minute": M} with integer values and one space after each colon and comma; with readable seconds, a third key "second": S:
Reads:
{"hour": 10, "minute": 15, "second": 46}
